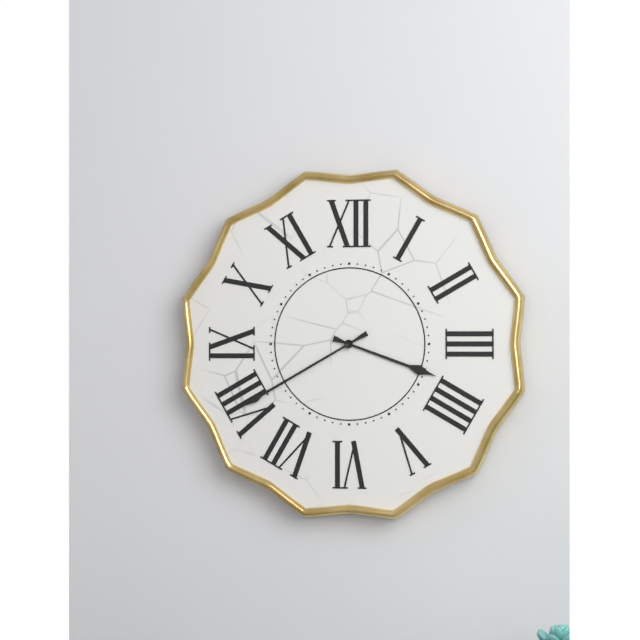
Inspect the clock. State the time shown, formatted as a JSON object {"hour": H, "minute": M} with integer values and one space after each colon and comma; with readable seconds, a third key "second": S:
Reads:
{"hour": 3, "minute": 40}
